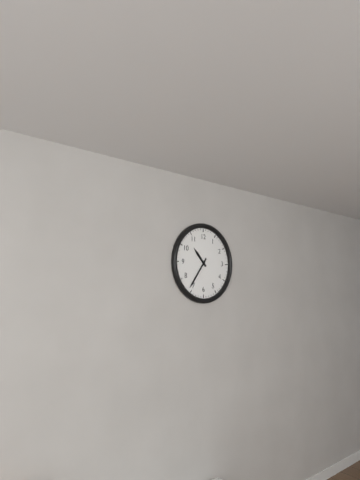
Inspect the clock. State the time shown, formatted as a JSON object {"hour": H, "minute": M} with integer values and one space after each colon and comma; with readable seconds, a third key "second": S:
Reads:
{"hour": 10, "minute": 36}
